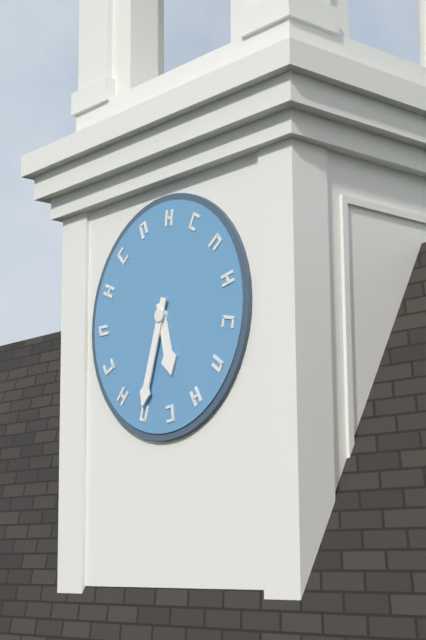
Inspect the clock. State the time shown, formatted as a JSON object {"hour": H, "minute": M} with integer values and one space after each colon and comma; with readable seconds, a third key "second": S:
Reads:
{"hour": 5, "minute": 33}
